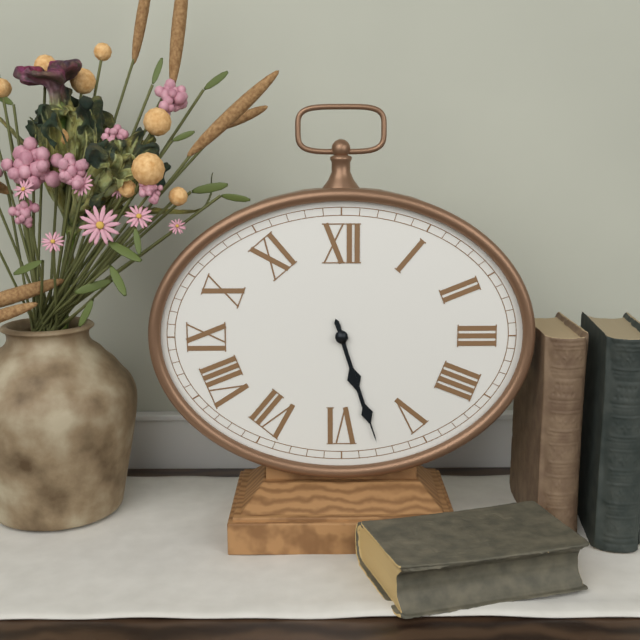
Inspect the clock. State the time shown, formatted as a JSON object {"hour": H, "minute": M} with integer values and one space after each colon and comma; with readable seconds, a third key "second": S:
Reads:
{"hour": 5, "minute": 27}
